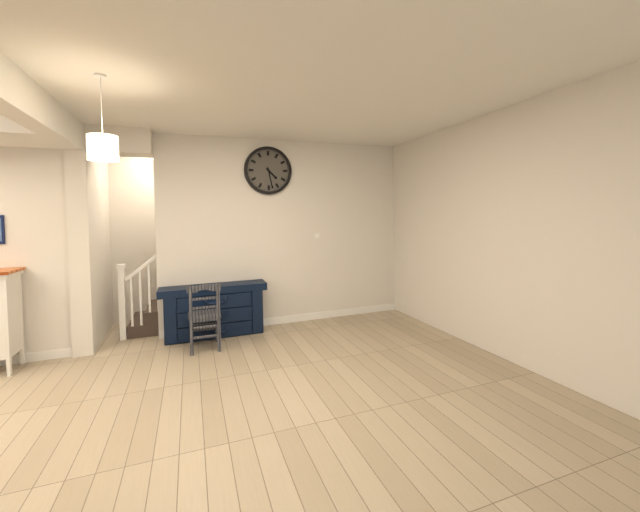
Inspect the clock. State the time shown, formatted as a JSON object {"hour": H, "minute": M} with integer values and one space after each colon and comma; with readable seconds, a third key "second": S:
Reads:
{"hour": 4, "minute": 28}
